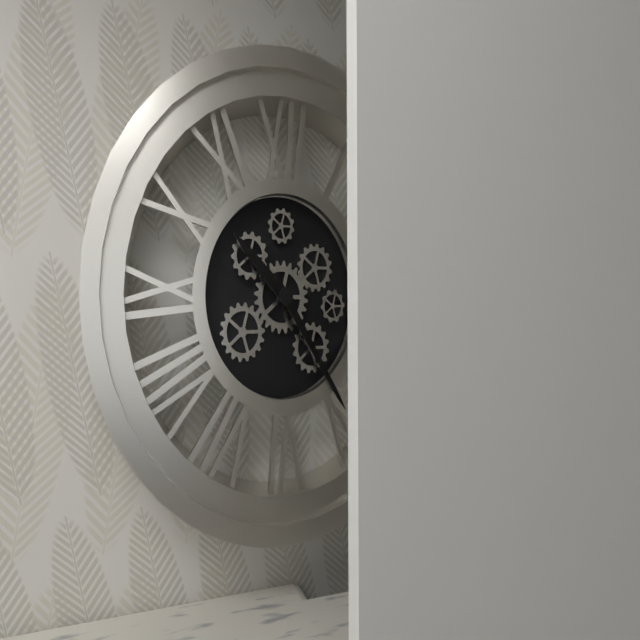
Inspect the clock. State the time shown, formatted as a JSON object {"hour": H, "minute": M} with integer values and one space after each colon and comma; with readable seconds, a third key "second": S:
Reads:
{"hour": 10, "minute": 24}
